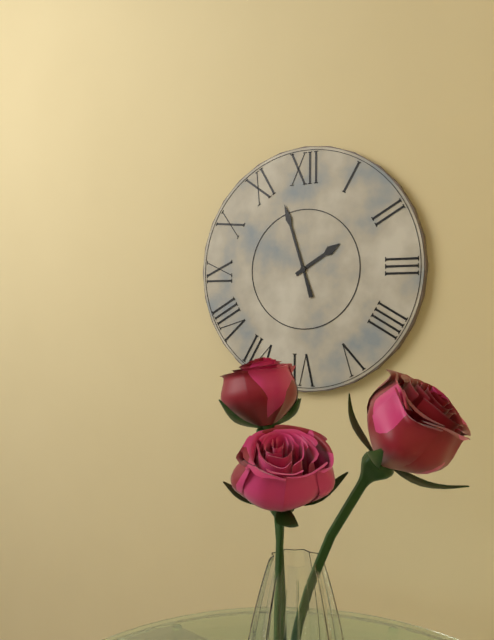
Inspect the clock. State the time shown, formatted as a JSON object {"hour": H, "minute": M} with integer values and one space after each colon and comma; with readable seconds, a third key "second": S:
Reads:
{"hour": 1, "minute": 57}
